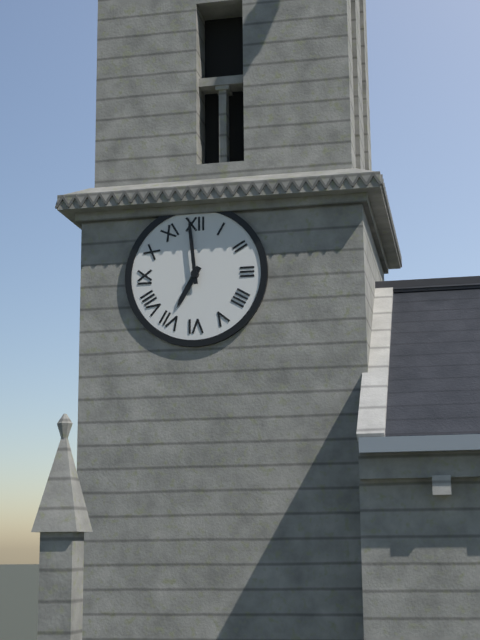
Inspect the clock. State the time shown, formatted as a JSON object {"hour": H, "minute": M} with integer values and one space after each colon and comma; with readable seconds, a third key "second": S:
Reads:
{"hour": 6, "minute": 59}
